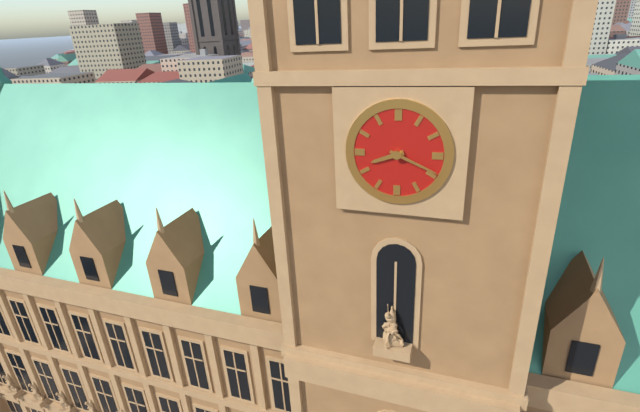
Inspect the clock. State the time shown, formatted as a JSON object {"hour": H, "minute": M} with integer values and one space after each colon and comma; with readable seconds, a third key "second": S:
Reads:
{"hour": 8, "minute": 19}
